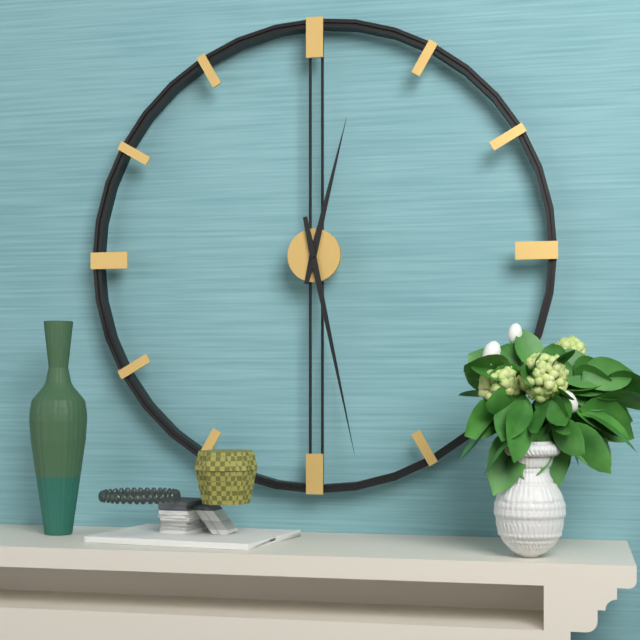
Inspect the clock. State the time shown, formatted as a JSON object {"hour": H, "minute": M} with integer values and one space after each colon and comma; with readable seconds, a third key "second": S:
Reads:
{"hour": 12, "minute": 28}
